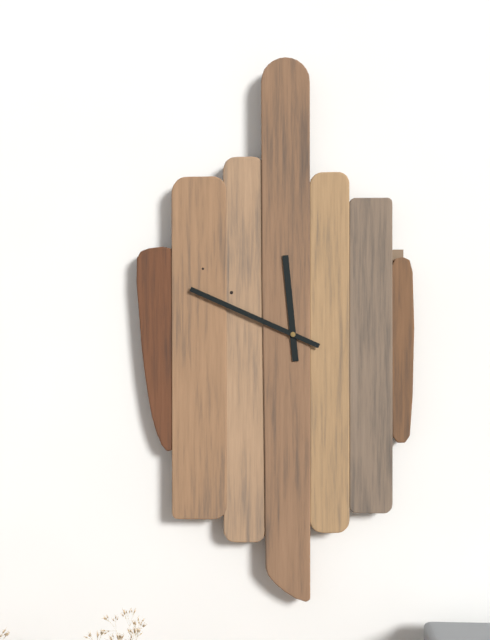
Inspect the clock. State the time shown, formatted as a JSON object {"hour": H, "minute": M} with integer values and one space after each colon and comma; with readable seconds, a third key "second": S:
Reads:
{"hour": 11, "minute": 49}
